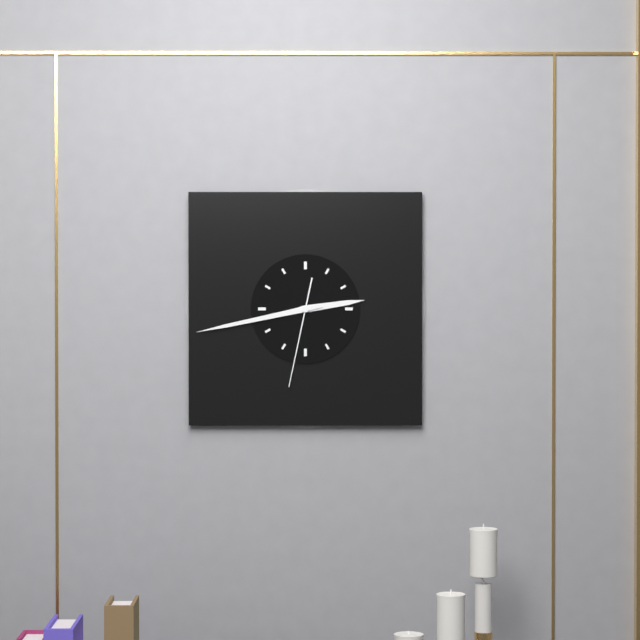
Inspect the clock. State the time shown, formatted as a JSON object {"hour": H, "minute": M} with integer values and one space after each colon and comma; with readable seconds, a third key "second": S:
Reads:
{"hour": 2, "minute": 43, "second": 32}
